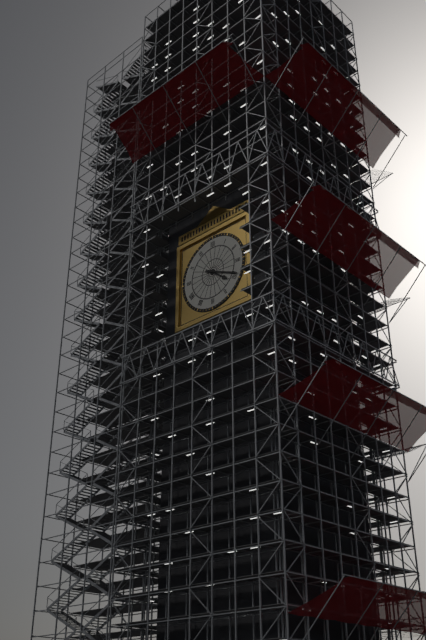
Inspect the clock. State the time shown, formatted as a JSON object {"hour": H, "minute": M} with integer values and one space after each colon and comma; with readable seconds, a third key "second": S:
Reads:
{"hour": 4, "minute": 19}
